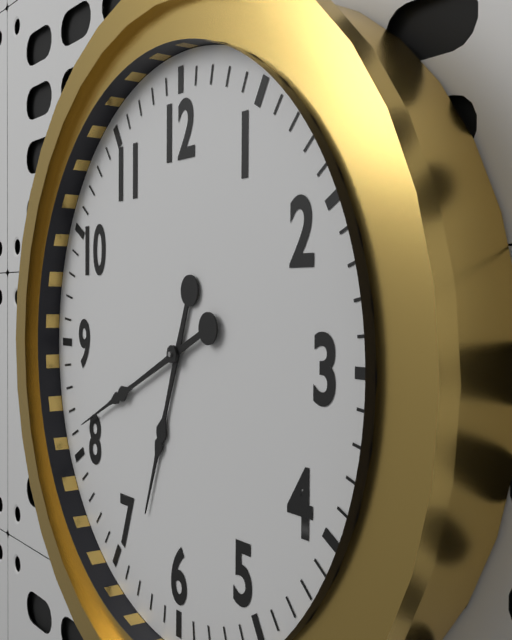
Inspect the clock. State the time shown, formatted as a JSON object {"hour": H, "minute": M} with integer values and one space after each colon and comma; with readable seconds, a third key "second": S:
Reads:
{"hour": 6, "minute": 41}
